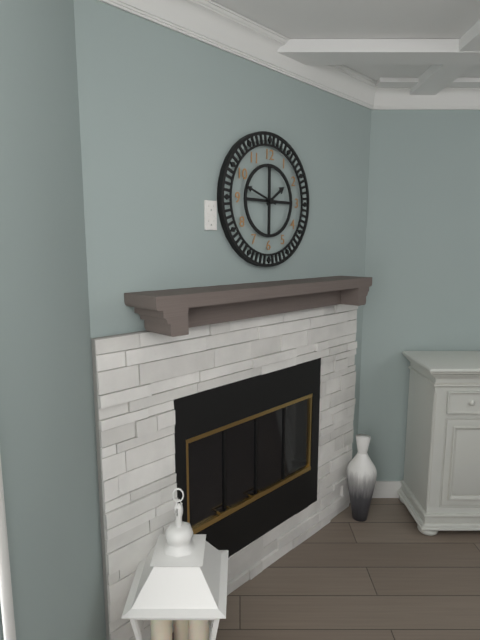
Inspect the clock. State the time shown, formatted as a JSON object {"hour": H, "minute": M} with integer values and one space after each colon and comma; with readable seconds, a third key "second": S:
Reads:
{"hour": 1, "minute": 48}
